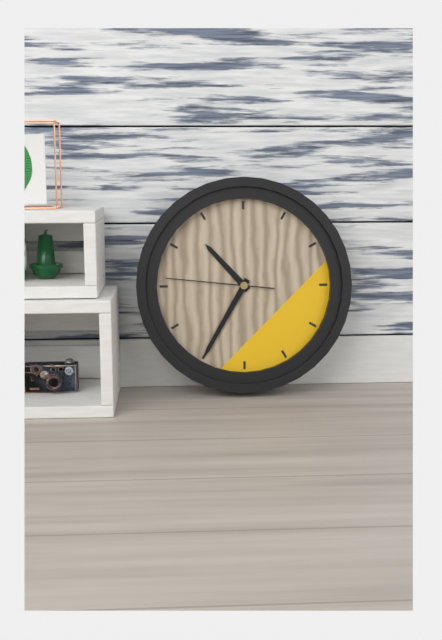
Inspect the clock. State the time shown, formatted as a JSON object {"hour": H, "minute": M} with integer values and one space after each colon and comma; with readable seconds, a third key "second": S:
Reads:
{"hour": 10, "minute": 35, "second": 46}
